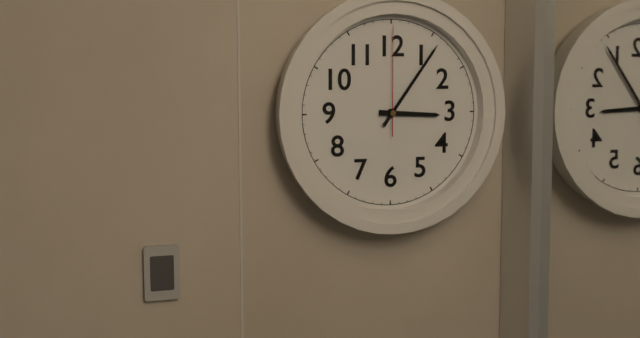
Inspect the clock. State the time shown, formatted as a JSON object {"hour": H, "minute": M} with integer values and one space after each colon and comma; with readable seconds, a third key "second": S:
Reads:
{"hour": 3, "minute": 6, "second": 0}
